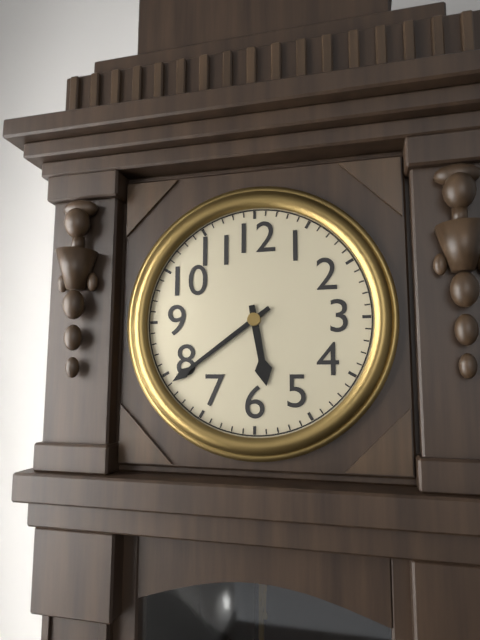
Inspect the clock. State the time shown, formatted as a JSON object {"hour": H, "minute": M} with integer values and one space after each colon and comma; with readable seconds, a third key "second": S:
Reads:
{"hour": 5, "minute": 39}
